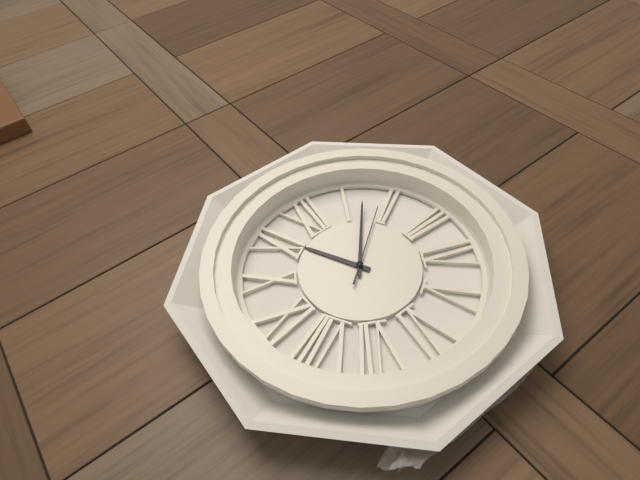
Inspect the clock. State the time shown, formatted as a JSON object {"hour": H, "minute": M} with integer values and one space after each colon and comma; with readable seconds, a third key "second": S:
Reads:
{"hour": 11, "minute": 7, "second": 9}
